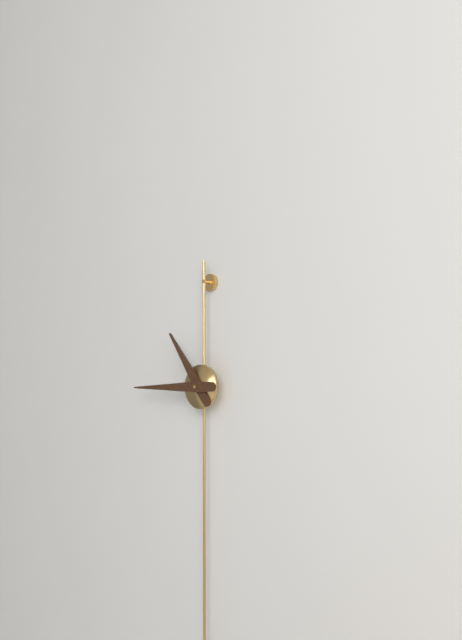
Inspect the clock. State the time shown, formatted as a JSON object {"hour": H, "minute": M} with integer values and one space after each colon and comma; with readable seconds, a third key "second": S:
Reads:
{"hour": 10, "minute": 45}
